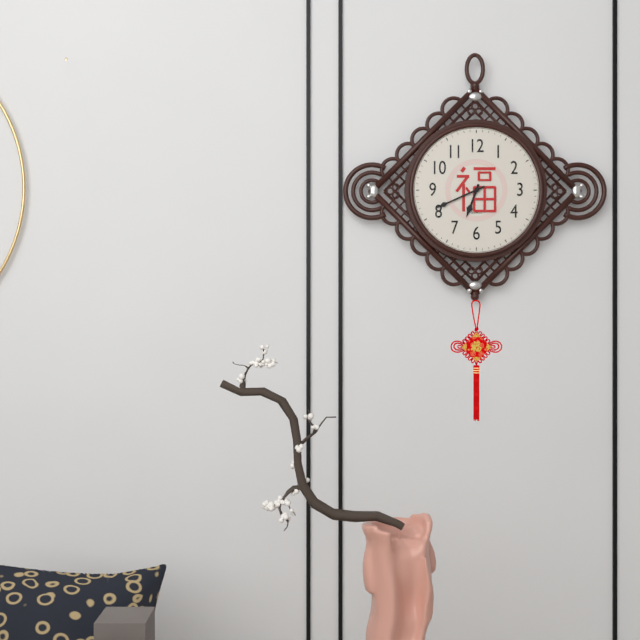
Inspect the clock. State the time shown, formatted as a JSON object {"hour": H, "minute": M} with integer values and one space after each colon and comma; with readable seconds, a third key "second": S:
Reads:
{"hour": 6, "minute": 41}
